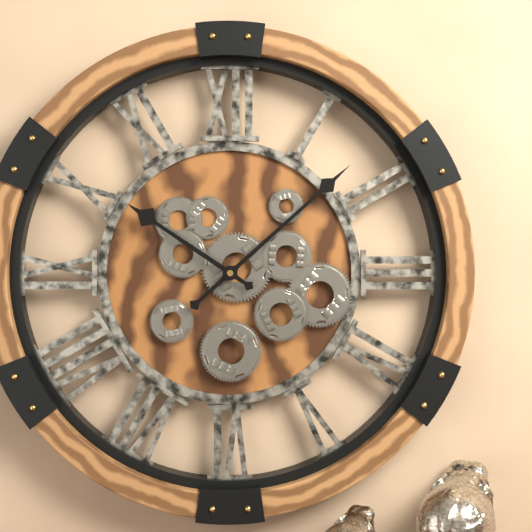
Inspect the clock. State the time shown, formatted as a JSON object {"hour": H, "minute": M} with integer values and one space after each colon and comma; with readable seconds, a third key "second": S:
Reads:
{"hour": 10, "minute": 8}
